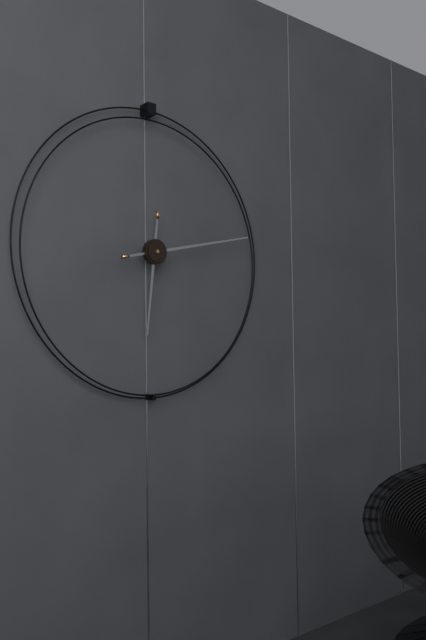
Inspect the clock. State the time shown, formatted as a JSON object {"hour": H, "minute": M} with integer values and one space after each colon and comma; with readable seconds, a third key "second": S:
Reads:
{"hour": 6, "minute": 13}
